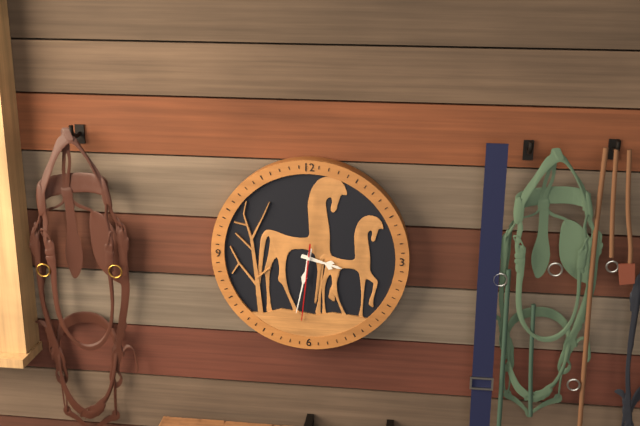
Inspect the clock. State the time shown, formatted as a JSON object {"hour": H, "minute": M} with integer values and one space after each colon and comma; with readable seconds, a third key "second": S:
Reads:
{"hour": 3, "minute": 32, "second": 31}
